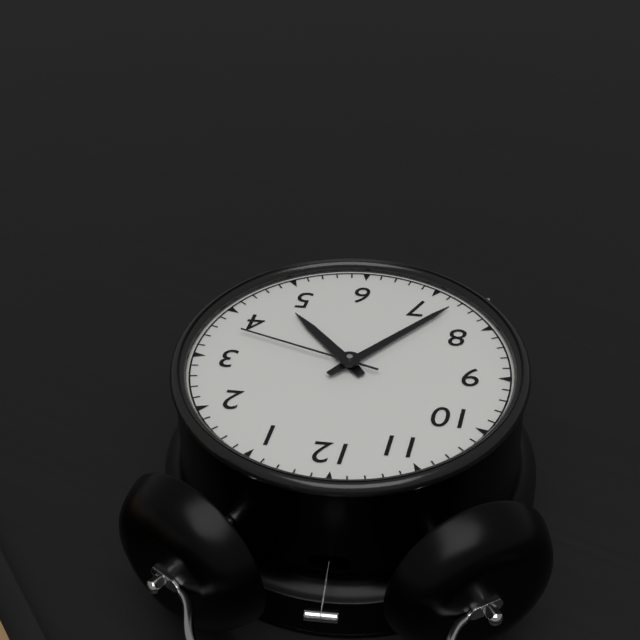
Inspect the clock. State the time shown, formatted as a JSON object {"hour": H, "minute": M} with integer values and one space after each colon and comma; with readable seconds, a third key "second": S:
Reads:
{"hour": 4, "minute": 37, "second": 18}
